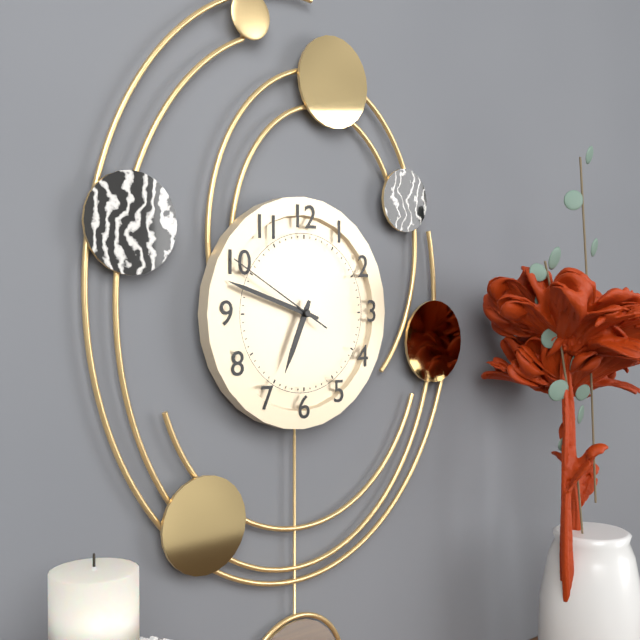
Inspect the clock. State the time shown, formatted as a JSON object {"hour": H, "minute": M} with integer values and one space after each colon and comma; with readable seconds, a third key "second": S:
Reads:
{"hour": 6, "minute": 48, "second": 50}
